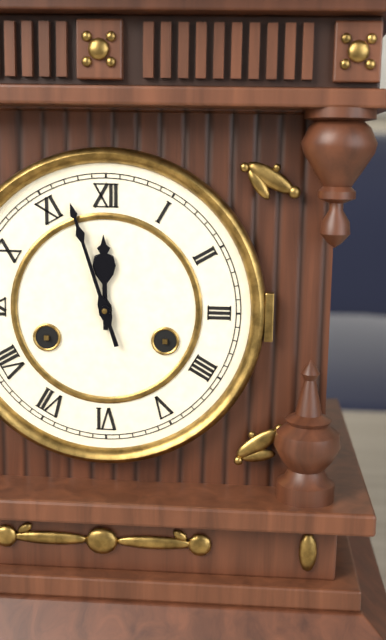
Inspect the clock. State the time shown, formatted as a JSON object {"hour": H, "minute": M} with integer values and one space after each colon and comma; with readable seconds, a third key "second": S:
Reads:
{"hour": 11, "minute": 57}
